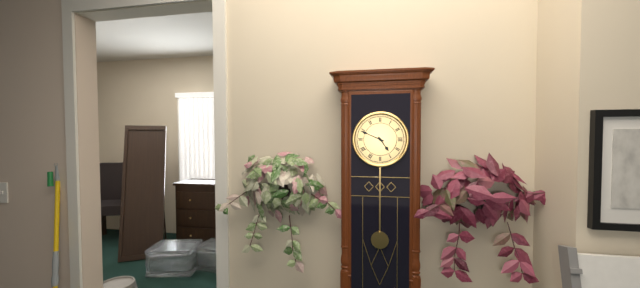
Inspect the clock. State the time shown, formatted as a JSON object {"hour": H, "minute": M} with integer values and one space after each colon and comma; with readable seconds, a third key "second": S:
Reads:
{"hour": 4, "minute": 49}
